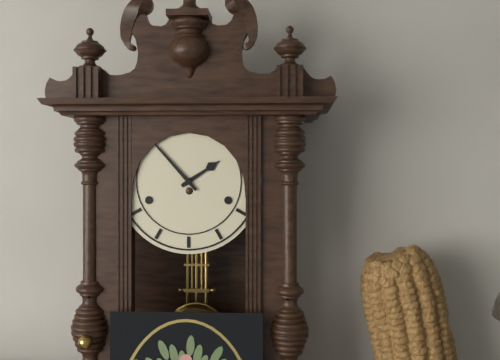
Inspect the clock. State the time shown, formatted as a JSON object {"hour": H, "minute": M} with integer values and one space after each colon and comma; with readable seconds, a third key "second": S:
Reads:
{"hour": 1, "minute": 53}
